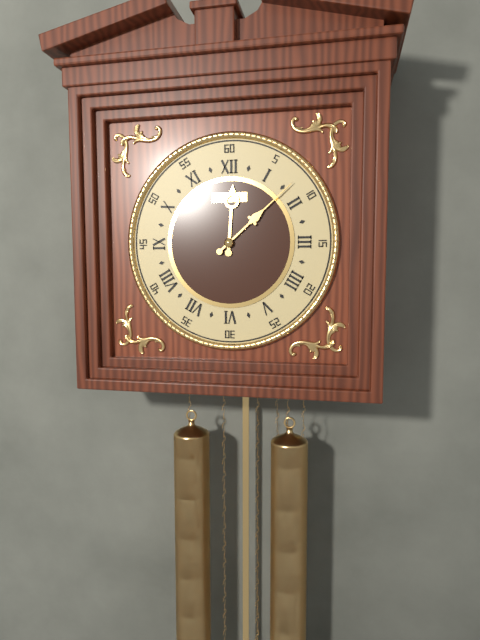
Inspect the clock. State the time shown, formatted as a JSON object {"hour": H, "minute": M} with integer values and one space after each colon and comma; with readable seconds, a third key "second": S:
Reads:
{"hour": 12, "minute": 8}
